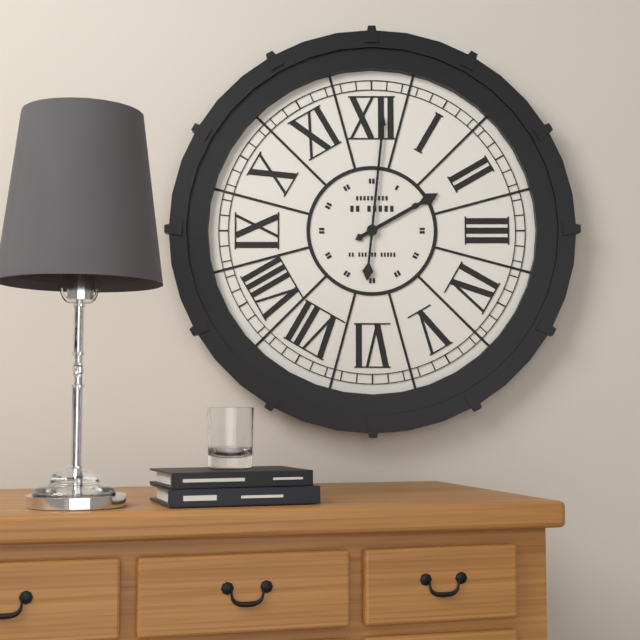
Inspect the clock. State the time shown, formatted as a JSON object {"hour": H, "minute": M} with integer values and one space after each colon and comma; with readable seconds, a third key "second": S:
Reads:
{"hour": 2, "minute": 1}
